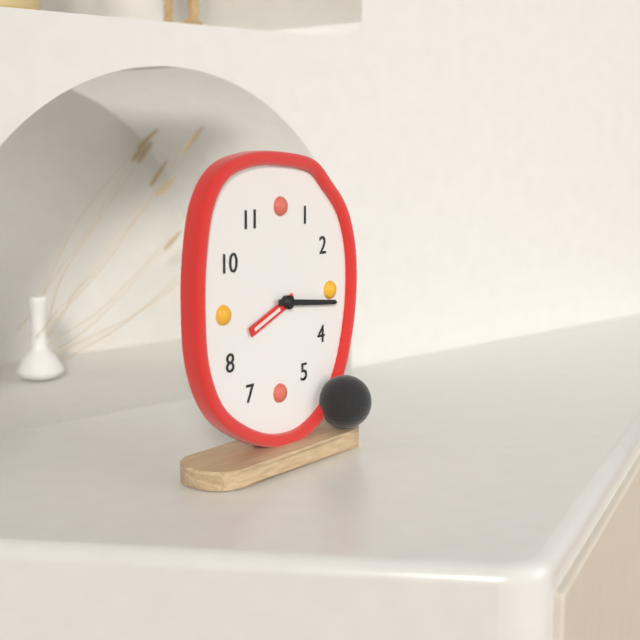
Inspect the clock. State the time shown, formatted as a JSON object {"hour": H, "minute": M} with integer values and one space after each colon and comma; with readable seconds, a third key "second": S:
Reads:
{"hour": 8, "minute": 16}
